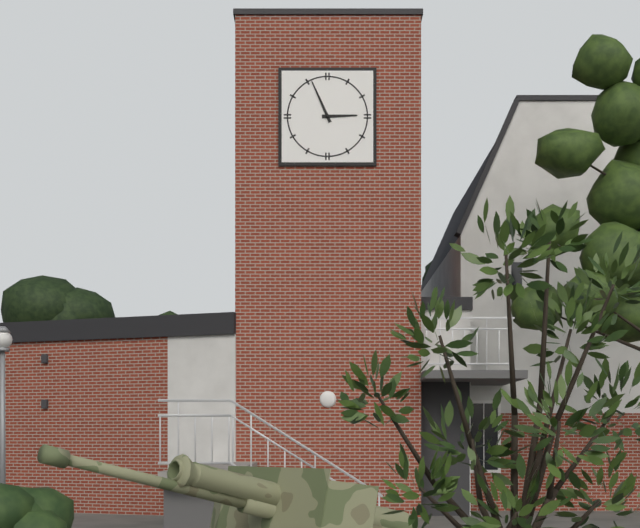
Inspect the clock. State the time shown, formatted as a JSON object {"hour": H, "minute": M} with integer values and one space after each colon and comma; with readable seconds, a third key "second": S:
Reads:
{"hour": 2, "minute": 56}
